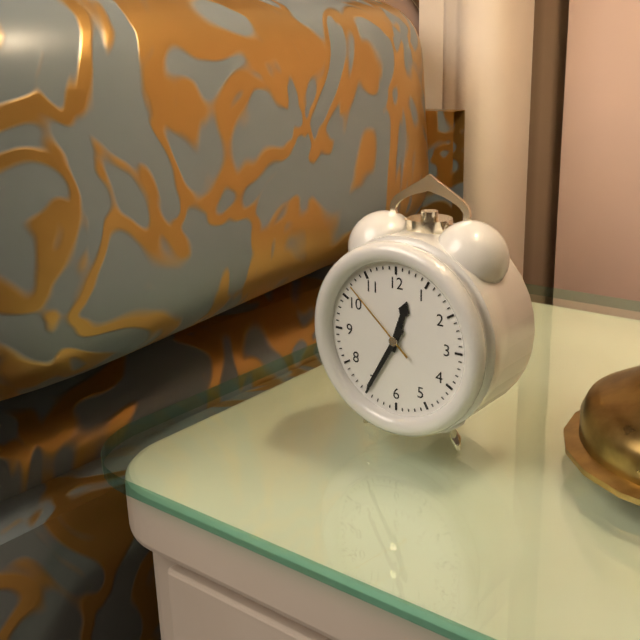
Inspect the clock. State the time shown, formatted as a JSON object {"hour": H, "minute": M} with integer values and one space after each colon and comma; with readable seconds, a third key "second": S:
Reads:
{"hour": 12, "minute": 35, "second": 52}
